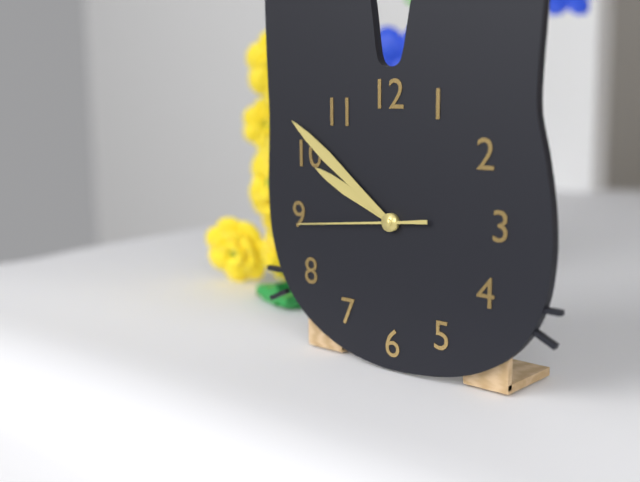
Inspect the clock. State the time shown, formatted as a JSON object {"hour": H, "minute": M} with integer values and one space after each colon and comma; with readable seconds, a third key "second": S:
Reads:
{"hour": 9, "minute": 51, "second": 44}
